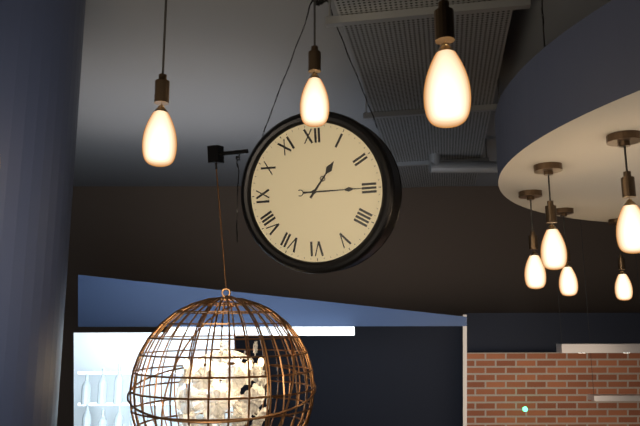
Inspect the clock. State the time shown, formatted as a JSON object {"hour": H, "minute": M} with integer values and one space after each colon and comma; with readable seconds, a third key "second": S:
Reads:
{"hour": 1, "minute": 15}
